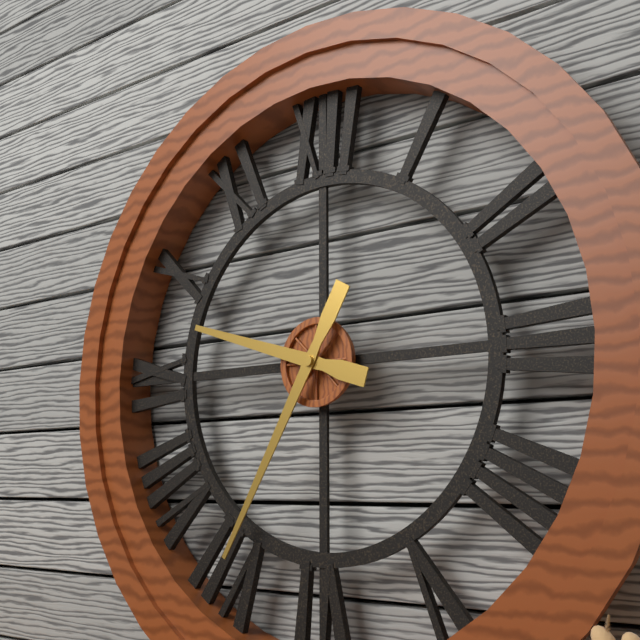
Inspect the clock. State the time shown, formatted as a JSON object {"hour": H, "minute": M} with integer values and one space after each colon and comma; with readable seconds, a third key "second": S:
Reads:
{"hour": 9, "minute": 35}
